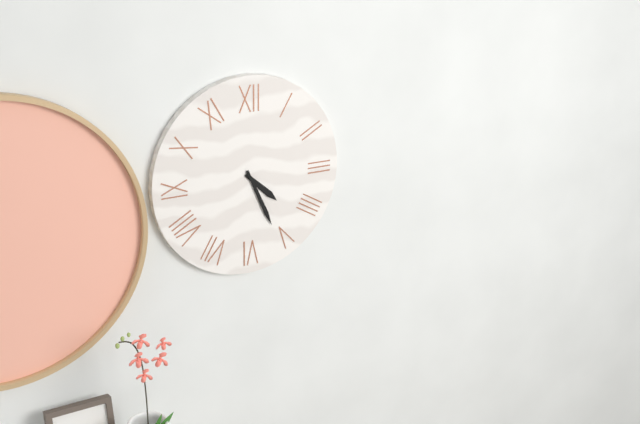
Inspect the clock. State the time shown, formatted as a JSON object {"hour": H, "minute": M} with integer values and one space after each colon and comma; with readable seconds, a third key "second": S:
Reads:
{"hour": 4, "minute": 26}
